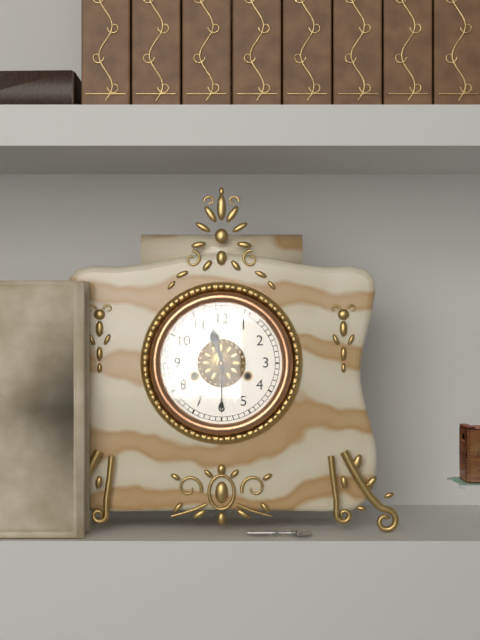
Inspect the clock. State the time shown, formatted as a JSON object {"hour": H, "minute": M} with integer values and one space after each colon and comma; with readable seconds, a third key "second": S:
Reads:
{"hour": 11, "minute": 30}
